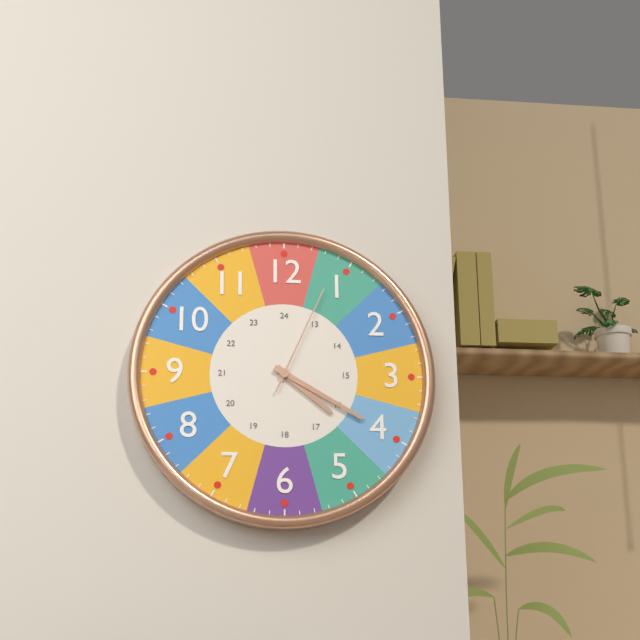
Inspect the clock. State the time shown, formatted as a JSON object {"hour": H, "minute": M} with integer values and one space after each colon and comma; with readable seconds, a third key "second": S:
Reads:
{"hour": 4, "minute": 20, "second": 4}
